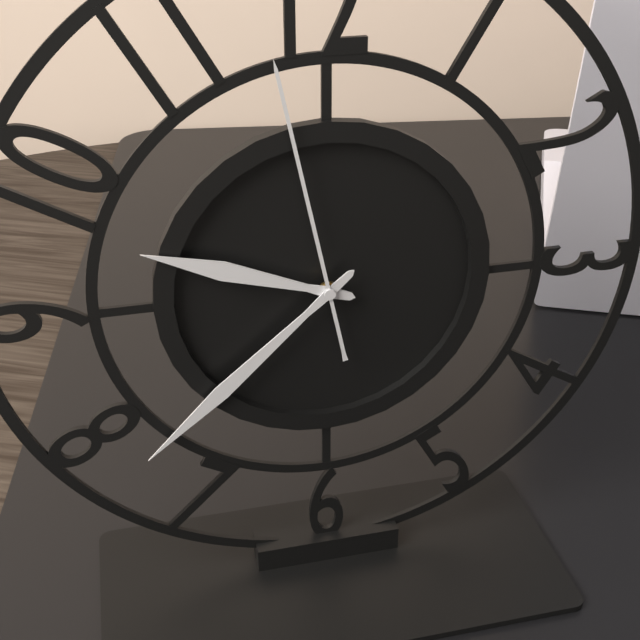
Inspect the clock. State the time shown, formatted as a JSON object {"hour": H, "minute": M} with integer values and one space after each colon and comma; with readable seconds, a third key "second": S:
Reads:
{"hour": 9, "minute": 38, "second": 58}
